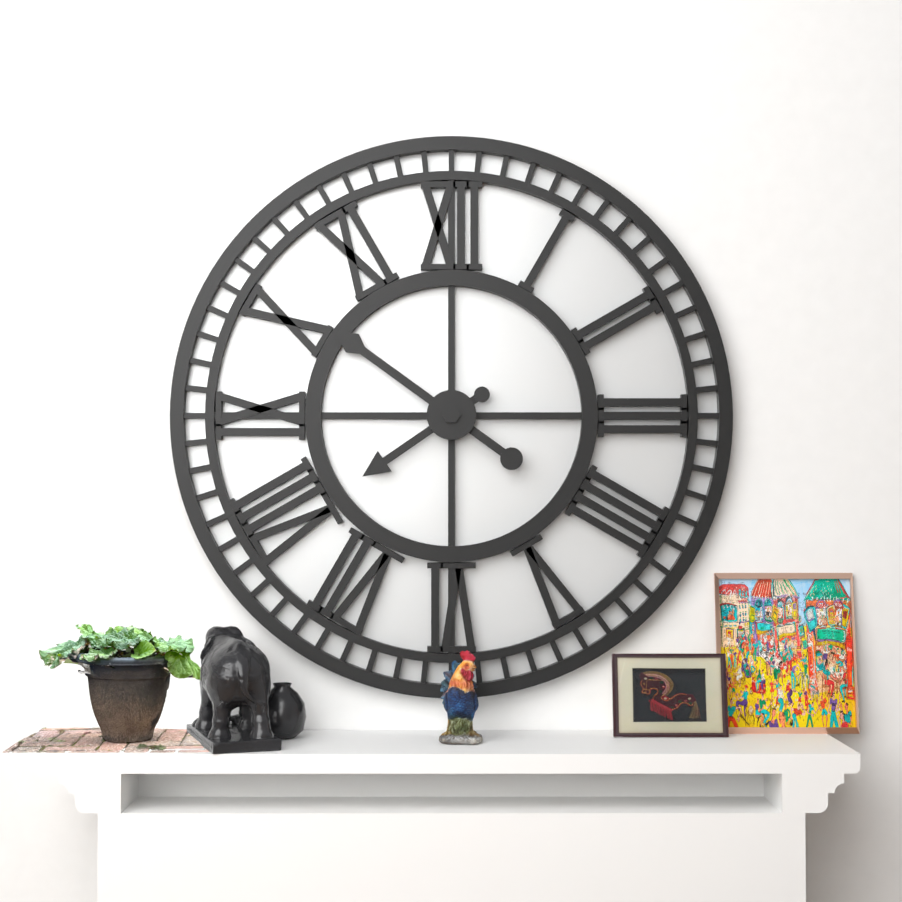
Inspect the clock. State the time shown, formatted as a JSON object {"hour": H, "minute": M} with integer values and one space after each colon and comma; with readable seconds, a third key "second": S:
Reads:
{"hour": 7, "minute": 51}
